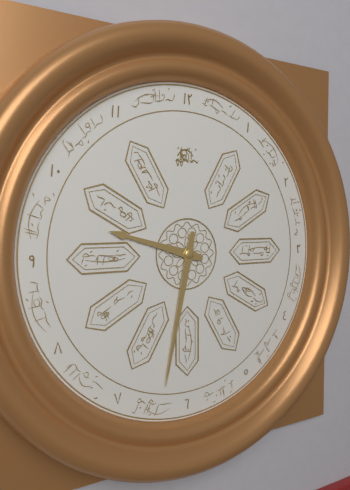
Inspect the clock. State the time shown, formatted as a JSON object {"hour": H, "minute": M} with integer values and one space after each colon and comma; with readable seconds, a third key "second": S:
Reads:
{"hour": 9, "minute": 32}
